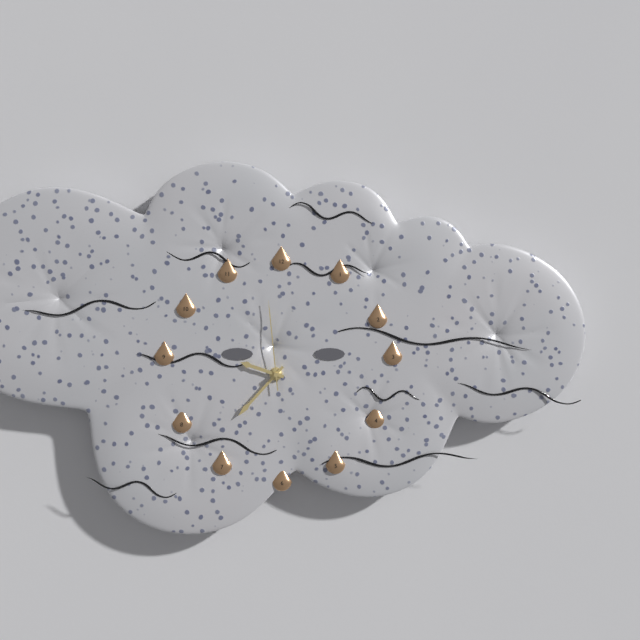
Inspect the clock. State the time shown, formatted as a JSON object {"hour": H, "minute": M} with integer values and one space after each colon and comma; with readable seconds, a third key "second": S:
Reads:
{"hour": 9, "minute": 37, "second": 59}
